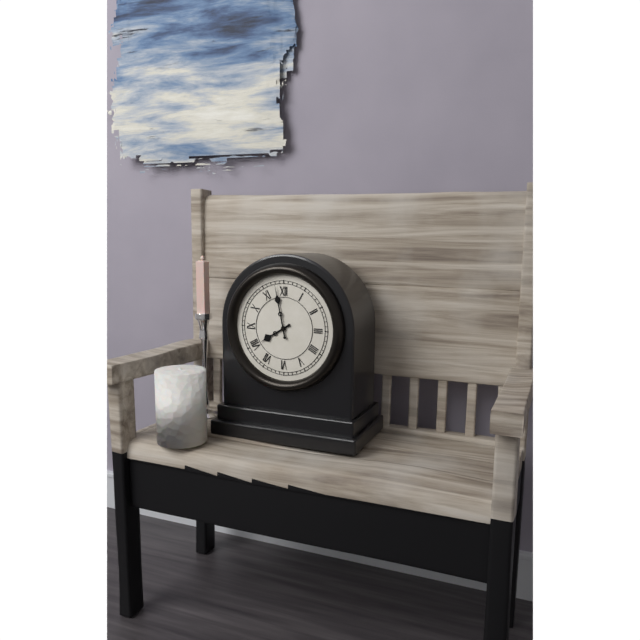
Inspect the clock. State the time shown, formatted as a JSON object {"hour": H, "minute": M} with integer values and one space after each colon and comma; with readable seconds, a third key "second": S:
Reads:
{"hour": 7, "minute": 58}
